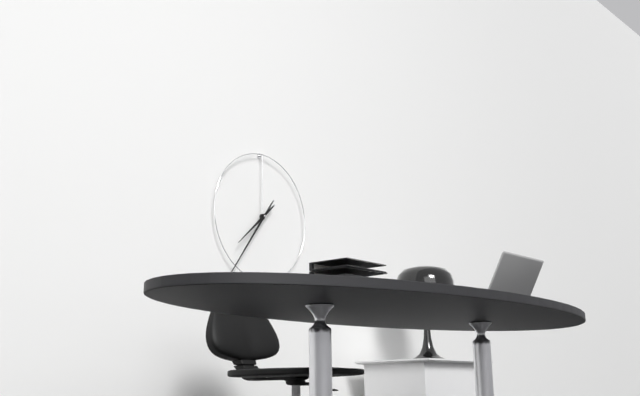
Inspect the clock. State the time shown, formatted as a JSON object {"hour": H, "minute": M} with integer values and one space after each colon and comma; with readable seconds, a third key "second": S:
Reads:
{"hour": 7, "minute": 36}
